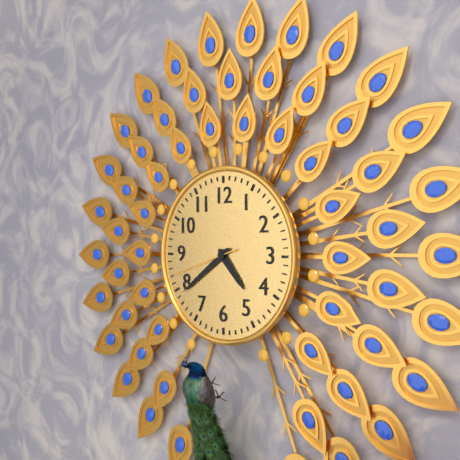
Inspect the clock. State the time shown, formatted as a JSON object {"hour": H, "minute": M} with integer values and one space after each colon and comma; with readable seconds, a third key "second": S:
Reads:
{"hour": 4, "minute": 39, "second": 42}
